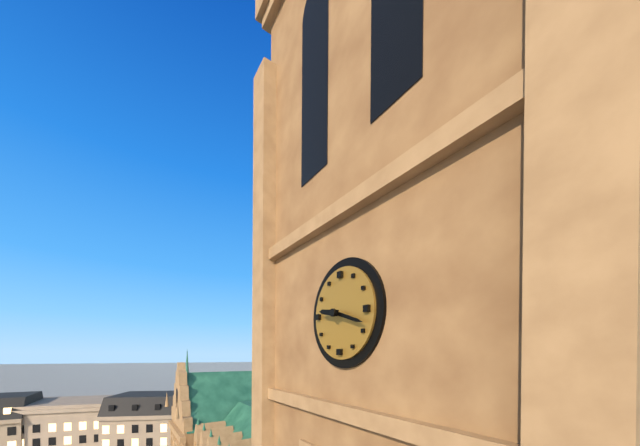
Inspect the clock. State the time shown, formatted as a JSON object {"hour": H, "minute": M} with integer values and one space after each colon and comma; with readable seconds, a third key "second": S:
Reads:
{"hour": 9, "minute": 18}
